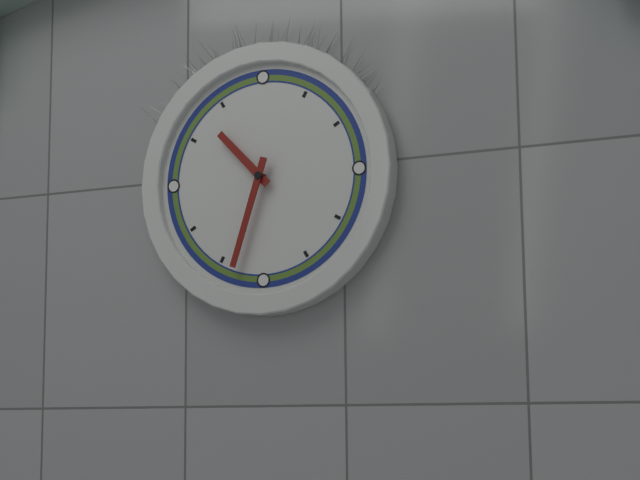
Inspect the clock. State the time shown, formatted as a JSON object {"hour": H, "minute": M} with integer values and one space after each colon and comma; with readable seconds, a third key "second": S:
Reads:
{"hour": 10, "minute": 33}
